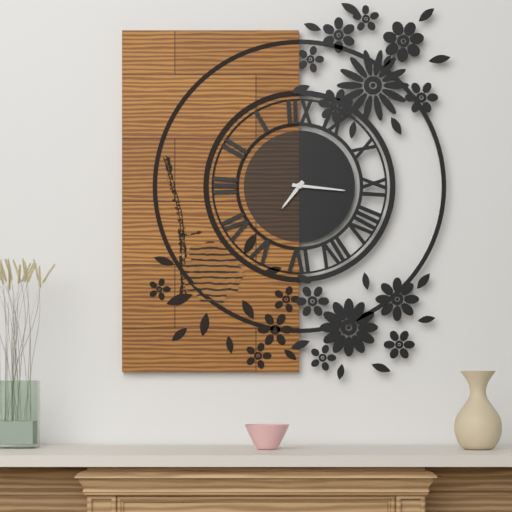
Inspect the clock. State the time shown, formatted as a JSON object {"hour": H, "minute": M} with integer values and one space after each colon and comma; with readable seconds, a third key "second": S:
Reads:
{"hour": 7, "minute": 16}
